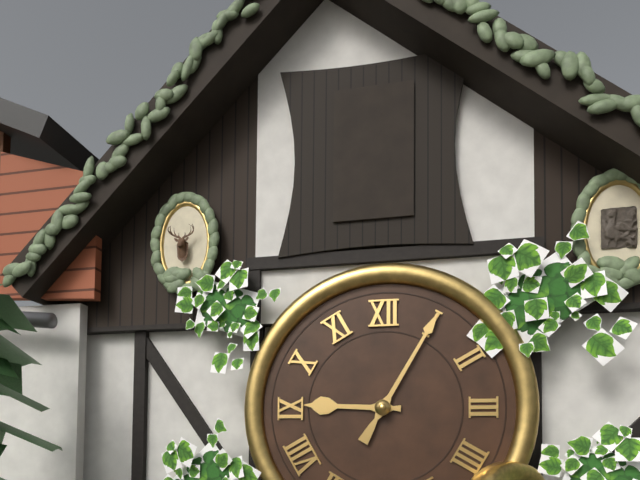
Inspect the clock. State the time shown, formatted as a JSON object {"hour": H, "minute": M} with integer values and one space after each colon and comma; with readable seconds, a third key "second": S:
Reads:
{"hour": 9, "minute": 5}
